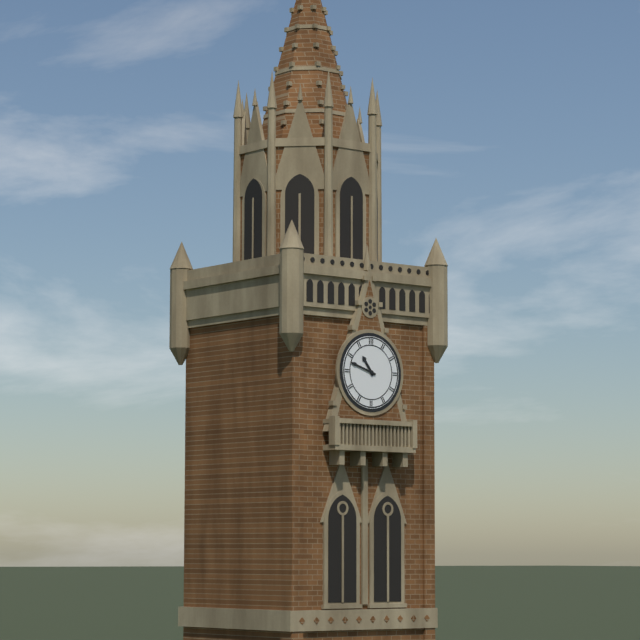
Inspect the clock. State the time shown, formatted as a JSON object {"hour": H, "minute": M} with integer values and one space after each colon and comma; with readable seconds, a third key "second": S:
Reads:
{"hour": 10, "minute": 48}
